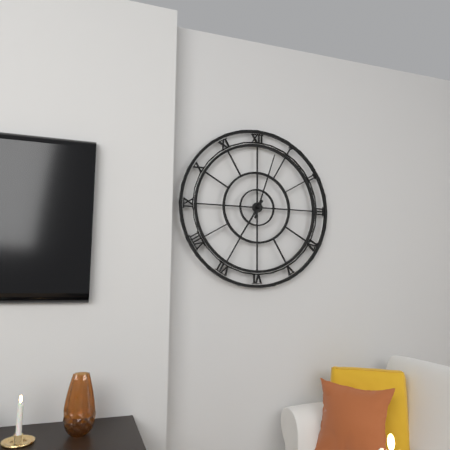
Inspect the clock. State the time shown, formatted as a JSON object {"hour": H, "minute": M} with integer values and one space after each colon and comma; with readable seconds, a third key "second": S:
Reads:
{"hour": 7, "minute": 3}
